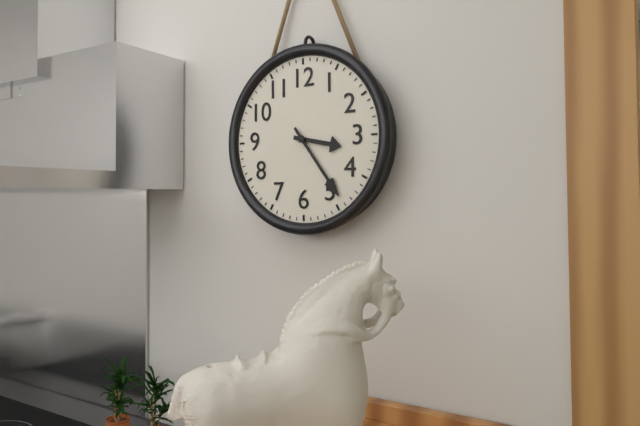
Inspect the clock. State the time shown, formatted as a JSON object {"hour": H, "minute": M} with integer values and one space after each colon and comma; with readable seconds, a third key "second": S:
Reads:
{"hour": 3, "minute": 24}
